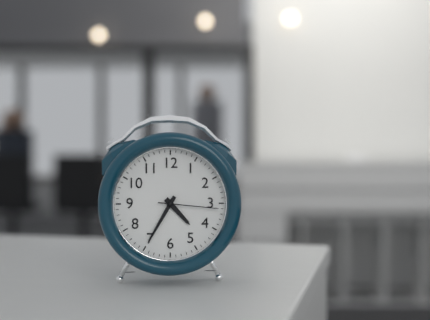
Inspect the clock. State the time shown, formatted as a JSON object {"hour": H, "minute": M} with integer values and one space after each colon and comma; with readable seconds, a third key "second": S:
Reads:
{"hour": 4, "minute": 35, "second": 16}
